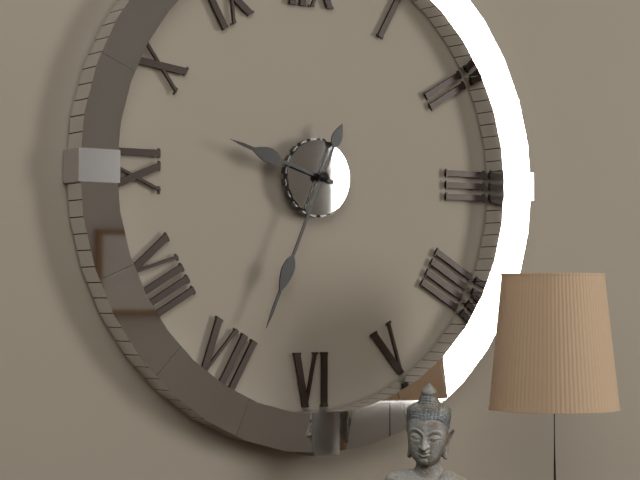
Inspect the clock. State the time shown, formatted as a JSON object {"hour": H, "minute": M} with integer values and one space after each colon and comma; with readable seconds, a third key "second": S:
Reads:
{"hour": 9, "minute": 34}
